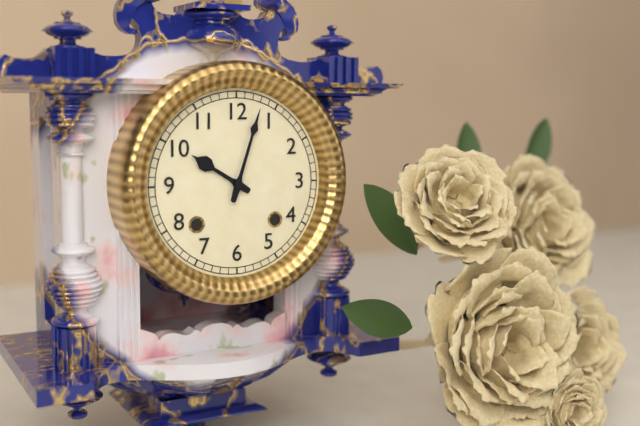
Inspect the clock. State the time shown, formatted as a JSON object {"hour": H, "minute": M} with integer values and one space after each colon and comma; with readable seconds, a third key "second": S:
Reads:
{"hour": 10, "minute": 3}
